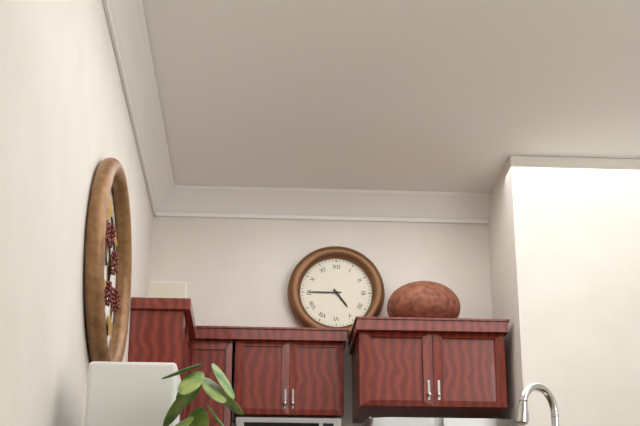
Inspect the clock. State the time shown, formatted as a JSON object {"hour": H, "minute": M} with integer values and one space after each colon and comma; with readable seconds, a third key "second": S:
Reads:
{"hour": 4, "minute": 45}
